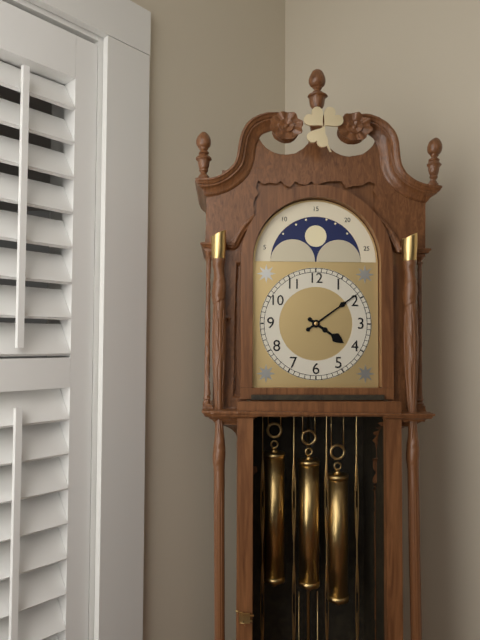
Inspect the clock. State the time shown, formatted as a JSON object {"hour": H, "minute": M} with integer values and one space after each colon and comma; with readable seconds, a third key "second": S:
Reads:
{"hour": 4, "minute": 9}
